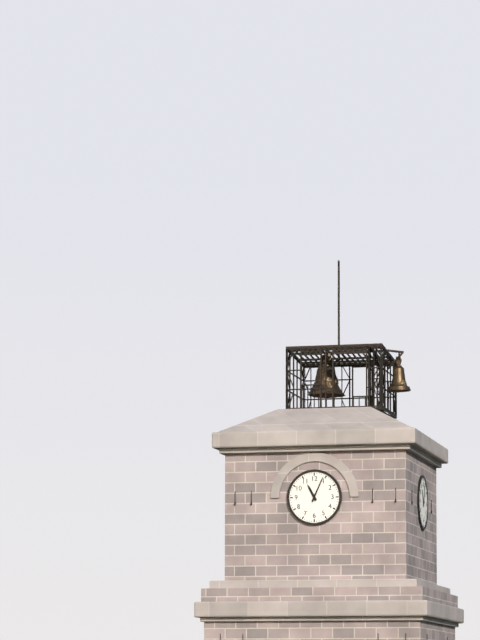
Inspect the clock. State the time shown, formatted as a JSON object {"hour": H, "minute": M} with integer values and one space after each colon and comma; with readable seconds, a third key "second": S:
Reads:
{"hour": 11, "minute": 4}
